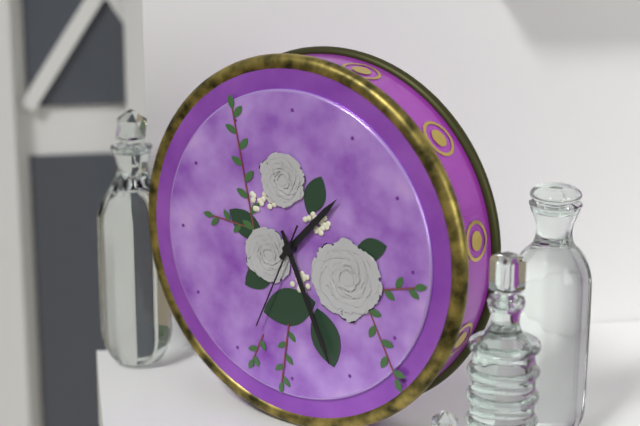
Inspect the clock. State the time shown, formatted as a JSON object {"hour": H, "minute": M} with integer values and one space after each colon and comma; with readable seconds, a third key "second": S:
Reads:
{"hour": 1, "minute": 26, "second": 34}
